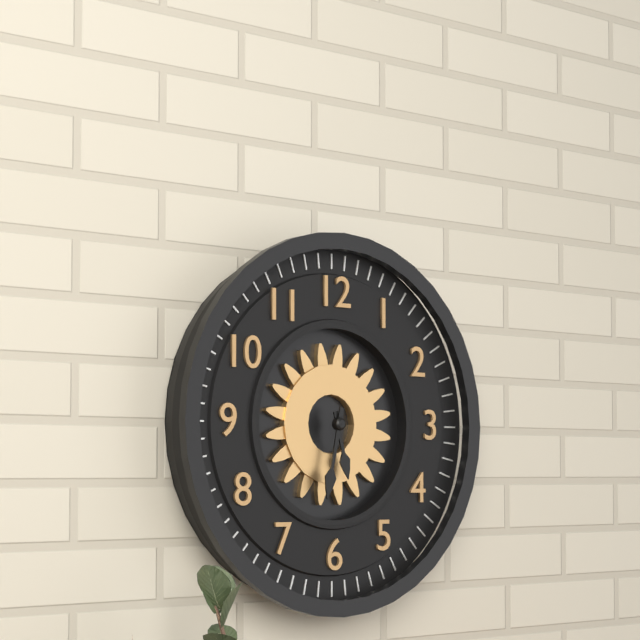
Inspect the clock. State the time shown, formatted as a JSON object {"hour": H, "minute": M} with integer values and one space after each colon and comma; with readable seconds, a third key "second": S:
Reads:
{"hour": 5, "minute": 32}
